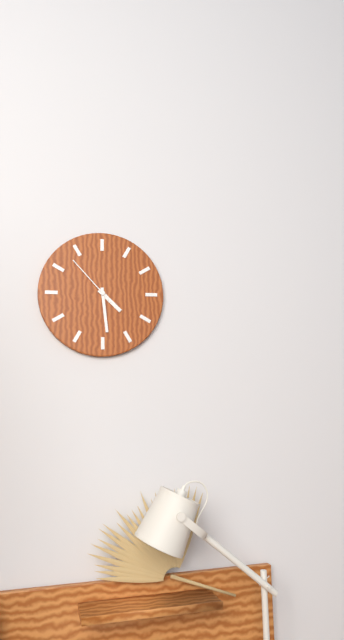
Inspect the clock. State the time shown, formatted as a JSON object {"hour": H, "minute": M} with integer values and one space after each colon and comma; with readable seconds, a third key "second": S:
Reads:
{"hour": 4, "minute": 29, "second": 53}
